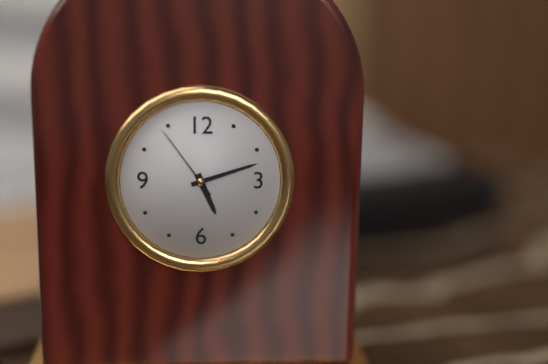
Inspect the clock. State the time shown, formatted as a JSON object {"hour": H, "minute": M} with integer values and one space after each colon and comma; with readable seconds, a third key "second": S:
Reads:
{"hour": 5, "minute": 12, "second": 54}
